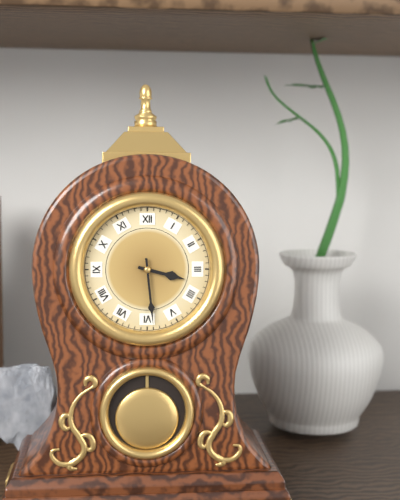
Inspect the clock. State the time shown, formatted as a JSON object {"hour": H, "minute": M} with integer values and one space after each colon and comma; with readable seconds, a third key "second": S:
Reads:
{"hour": 3, "minute": 29}
